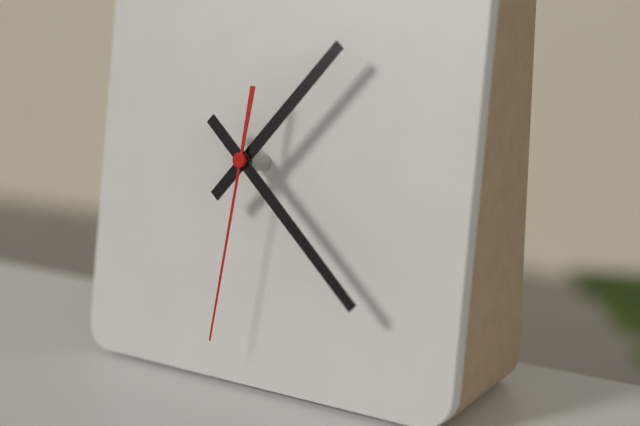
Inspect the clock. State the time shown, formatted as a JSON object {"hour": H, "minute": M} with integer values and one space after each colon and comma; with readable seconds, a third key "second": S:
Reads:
{"hour": 1, "minute": 22, "second": 31}
